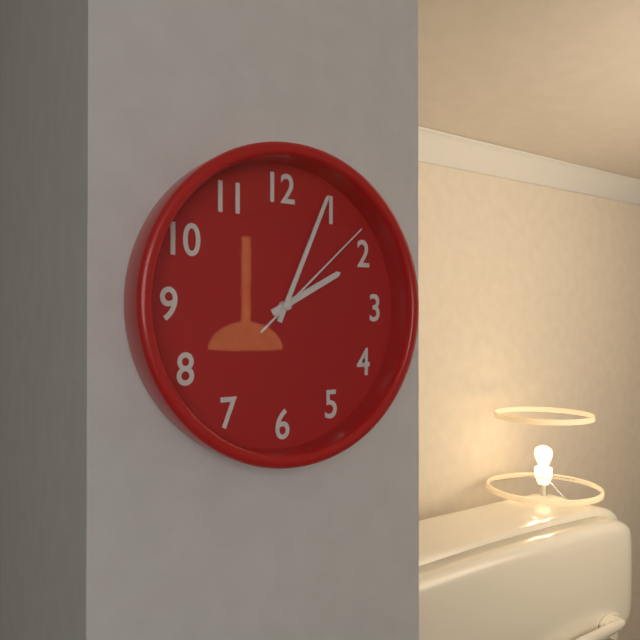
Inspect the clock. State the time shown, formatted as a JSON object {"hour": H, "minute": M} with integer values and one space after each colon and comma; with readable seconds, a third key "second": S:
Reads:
{"hour": 2, "minute": 4, "second": 8}
